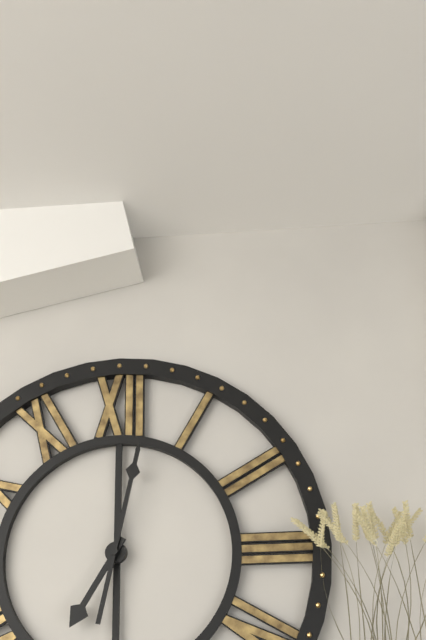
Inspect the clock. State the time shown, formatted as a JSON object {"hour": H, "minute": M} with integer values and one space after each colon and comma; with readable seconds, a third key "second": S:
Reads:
{"hour": 7, "minute": 2}
